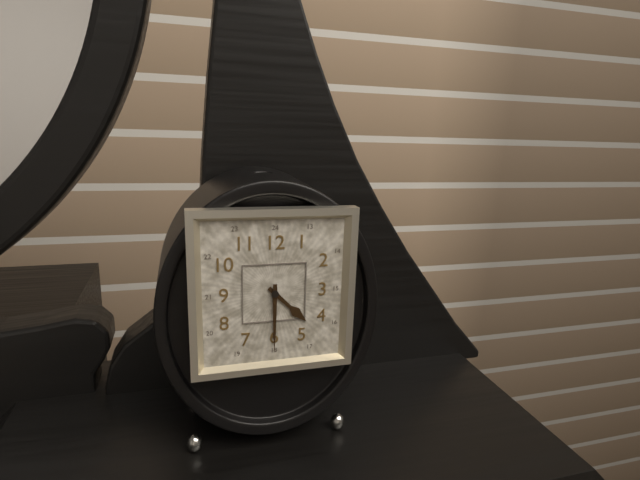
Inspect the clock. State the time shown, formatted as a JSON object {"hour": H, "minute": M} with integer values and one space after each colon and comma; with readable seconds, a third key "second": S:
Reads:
{"hour": 4, "minute": 30}
